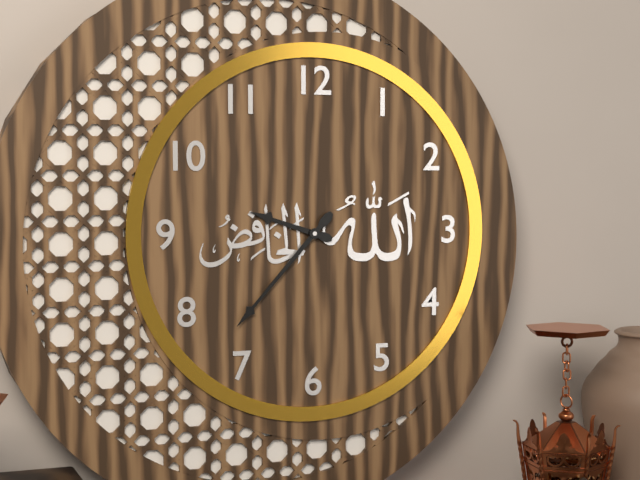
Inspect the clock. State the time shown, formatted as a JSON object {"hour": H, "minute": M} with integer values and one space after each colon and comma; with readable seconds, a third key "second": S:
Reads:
{"hour": 9, "minute": 37}
